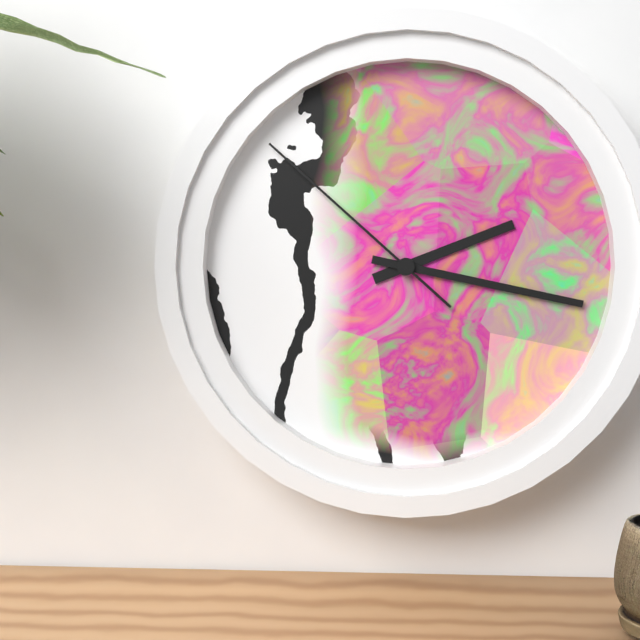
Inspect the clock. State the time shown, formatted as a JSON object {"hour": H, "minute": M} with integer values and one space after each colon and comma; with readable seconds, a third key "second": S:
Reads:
{"hour": 2, "minute": 17, "second": 52}
